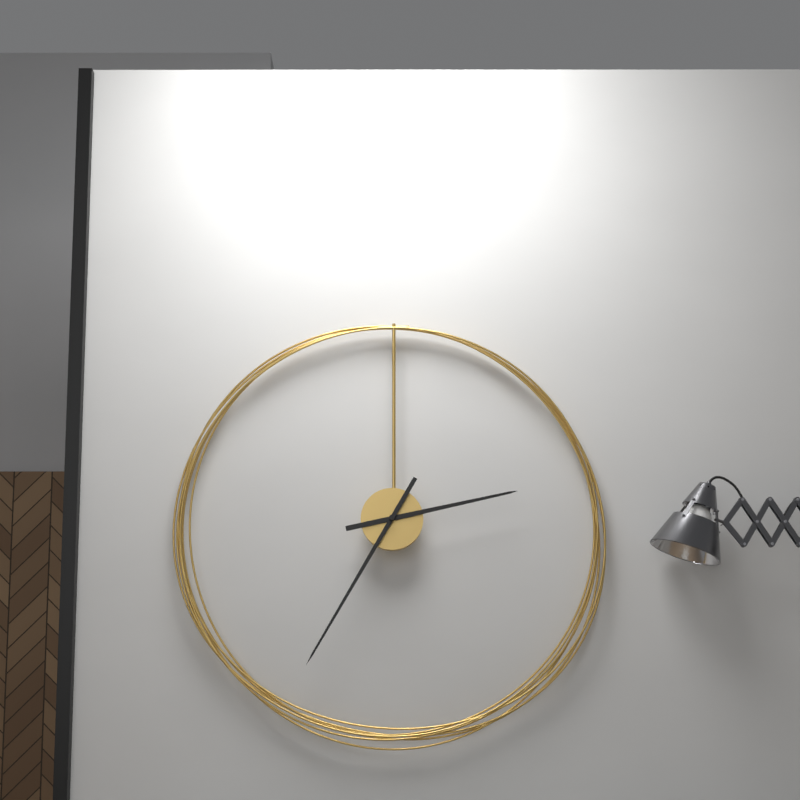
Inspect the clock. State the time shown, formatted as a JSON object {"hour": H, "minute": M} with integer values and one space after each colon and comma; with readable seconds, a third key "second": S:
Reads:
{"hour": 2, "minute": 35}
